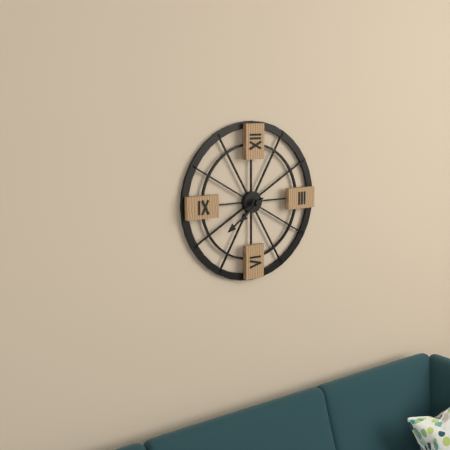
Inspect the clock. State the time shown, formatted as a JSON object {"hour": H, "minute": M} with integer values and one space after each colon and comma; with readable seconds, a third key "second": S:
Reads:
{"hour": 7, "minute": 39}
